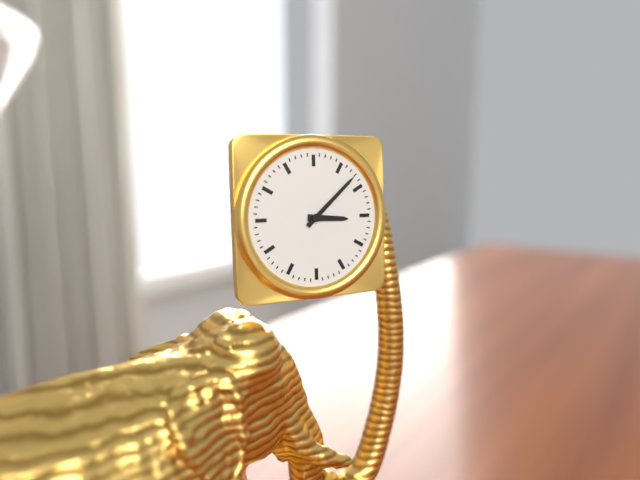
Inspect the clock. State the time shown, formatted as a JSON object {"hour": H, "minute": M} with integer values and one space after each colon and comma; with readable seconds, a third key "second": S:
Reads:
{"hour": 3, "minute": 8}
